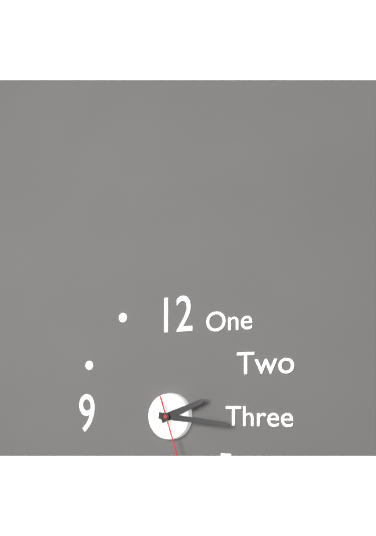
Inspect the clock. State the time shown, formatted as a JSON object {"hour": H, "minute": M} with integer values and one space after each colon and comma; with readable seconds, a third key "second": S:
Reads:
{"hour": 2, "minute": 16, "second": 27}
